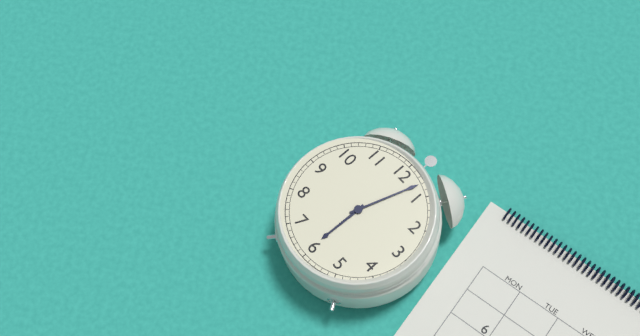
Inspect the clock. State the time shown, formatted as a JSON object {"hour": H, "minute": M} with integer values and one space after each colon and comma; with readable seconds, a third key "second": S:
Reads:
{"hour": 6, "minute": 3}
